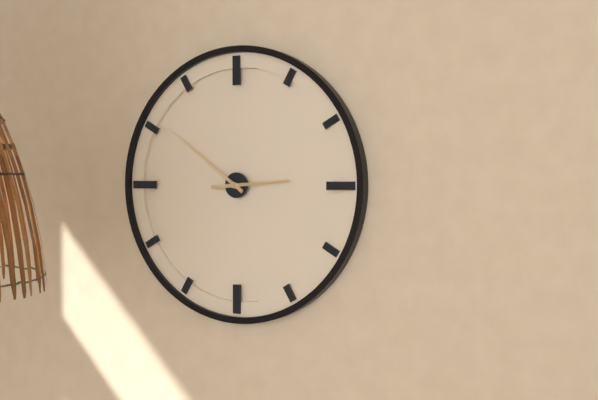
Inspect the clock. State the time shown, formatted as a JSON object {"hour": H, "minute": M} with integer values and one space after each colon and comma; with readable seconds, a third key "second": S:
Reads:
{"hour": 2, "minute": 51}
